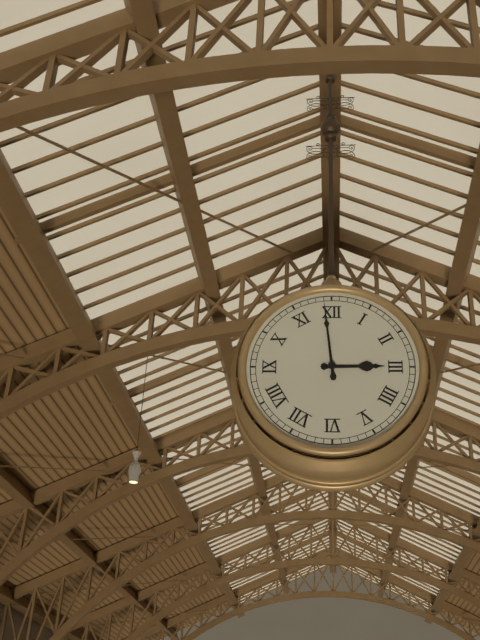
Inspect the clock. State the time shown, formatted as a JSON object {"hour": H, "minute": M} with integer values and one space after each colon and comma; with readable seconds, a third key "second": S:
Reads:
{"hour": 2, "minute": 59}
